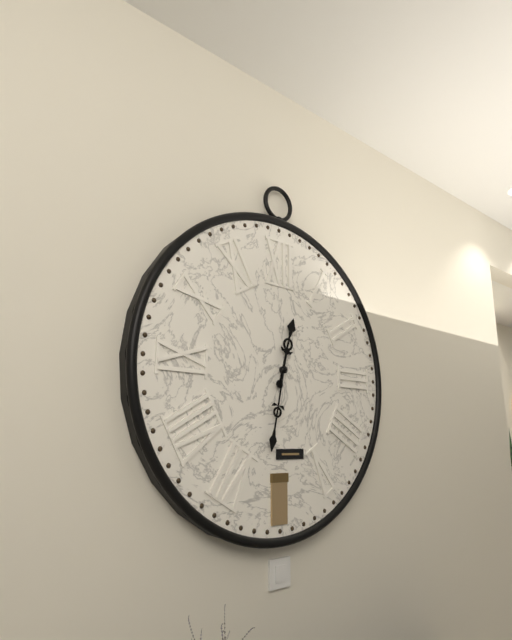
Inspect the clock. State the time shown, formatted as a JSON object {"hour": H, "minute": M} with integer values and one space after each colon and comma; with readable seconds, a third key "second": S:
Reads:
{"hour": 12, "minute": 32}
